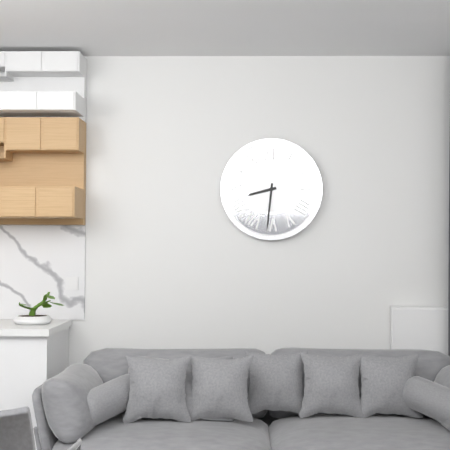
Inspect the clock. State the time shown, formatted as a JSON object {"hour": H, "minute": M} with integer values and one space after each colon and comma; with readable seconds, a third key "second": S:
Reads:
{"hour": 8, "minute": 31}
